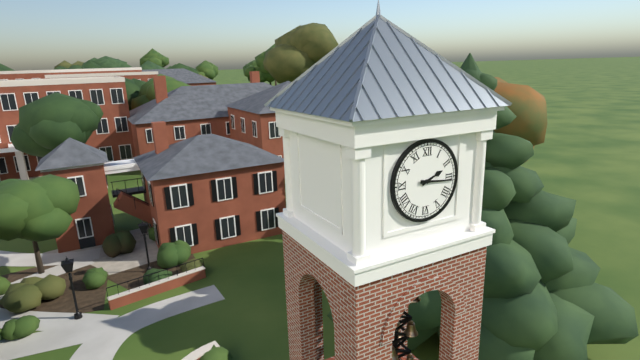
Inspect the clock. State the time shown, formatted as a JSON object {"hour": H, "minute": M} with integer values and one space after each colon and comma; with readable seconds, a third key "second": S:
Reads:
{"hour": 2, "minute": 16}
